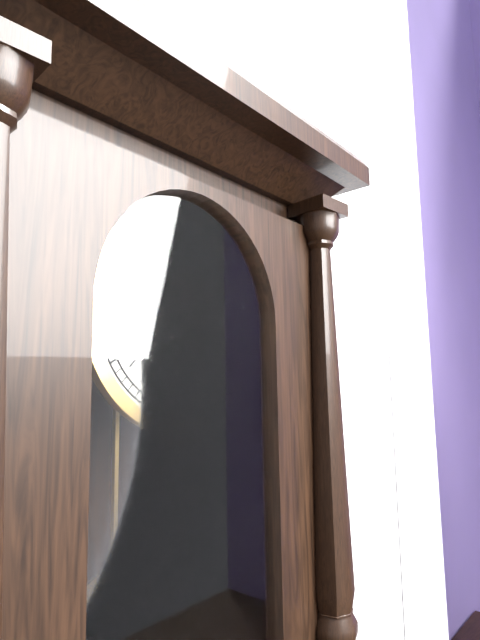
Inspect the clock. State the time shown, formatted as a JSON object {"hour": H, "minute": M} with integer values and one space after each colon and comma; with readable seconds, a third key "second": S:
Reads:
{"hour": 10, "minute": 5}
